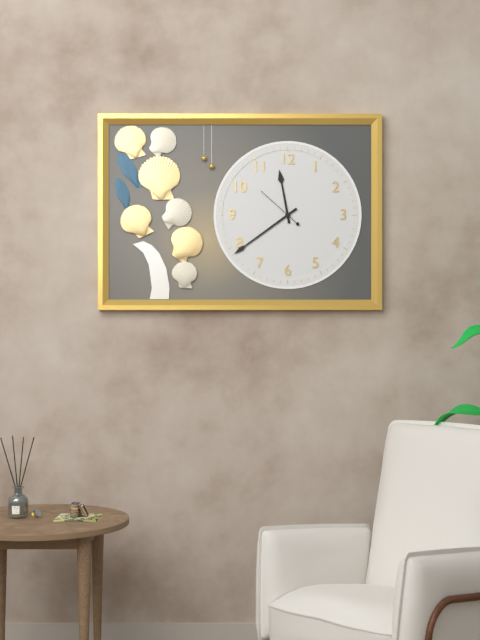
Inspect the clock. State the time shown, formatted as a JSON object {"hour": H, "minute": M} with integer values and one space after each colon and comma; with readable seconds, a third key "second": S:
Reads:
{"hour": 11, "minute": 39}
